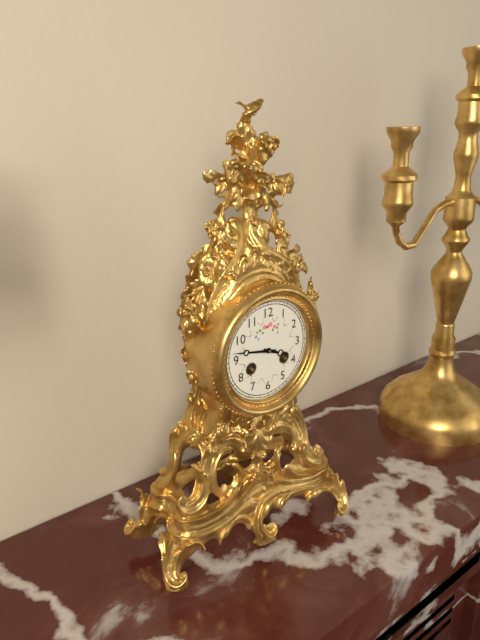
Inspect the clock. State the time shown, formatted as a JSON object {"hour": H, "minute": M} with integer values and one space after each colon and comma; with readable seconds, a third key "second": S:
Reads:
{"hour": 3, "minute": 47}
